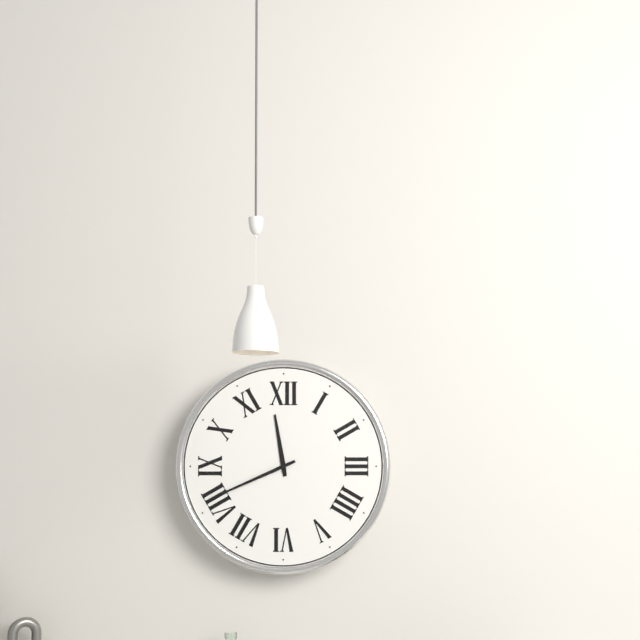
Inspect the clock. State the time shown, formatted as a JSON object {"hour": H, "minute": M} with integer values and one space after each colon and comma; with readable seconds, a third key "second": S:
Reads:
{"hour": 11, "minute": 41}
